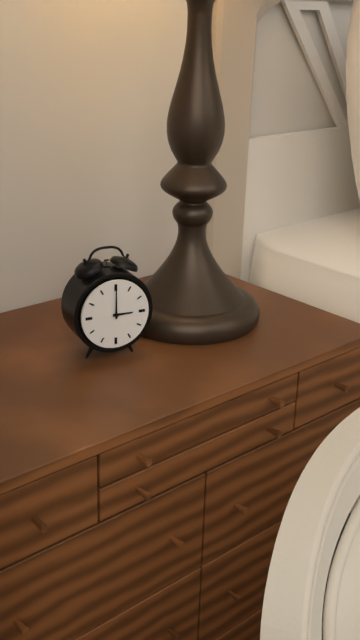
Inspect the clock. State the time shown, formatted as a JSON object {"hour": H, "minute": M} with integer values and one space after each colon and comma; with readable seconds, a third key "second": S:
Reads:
{"hour": 3, "minute": 0}
